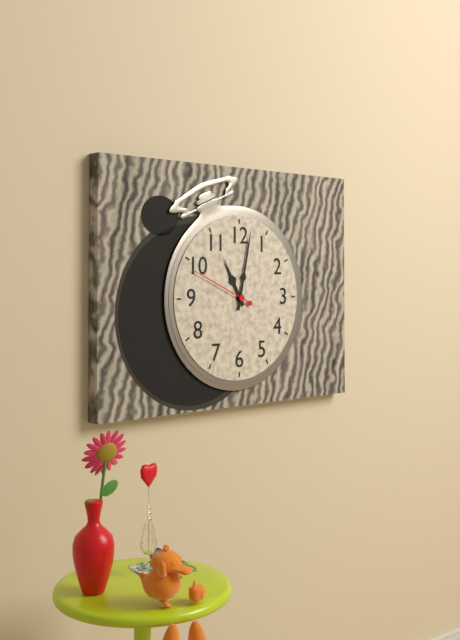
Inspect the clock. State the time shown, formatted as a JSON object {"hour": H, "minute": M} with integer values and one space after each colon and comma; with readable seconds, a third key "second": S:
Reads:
{"hour": 11, "minute": 2, "second": 49}
